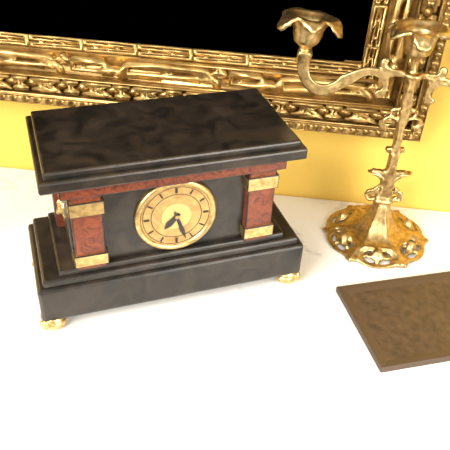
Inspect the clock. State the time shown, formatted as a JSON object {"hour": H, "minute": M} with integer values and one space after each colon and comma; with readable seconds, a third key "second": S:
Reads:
{"hour": 7, "minute": 27}
